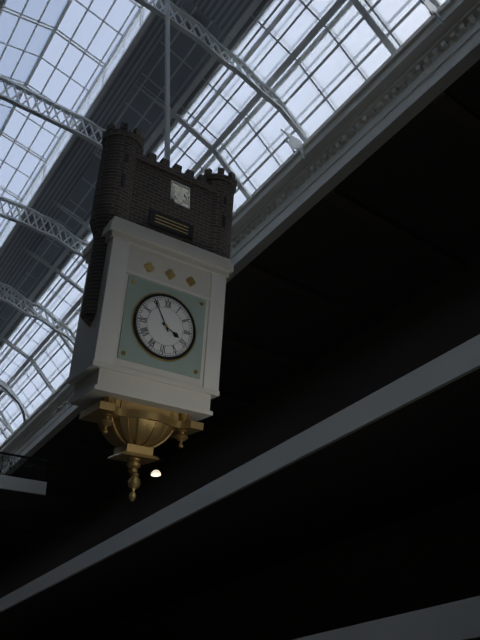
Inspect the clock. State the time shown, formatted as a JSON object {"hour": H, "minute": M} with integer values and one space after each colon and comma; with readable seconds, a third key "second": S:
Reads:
{"hour": 3, "minute": 55}
